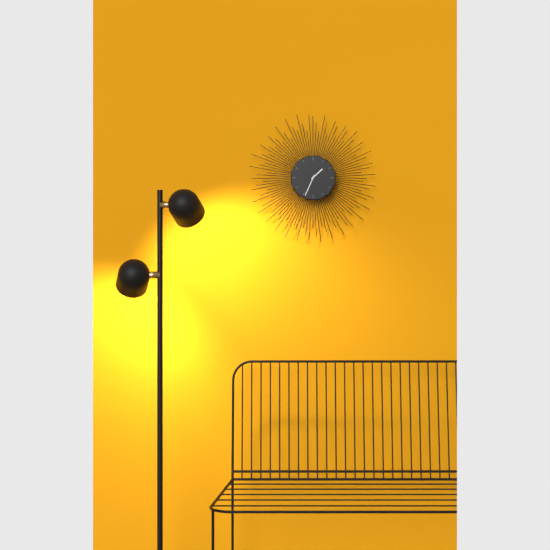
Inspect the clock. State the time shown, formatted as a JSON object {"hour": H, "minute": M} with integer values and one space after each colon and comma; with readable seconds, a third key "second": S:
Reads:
{"hour": 1, "minute": 34}
